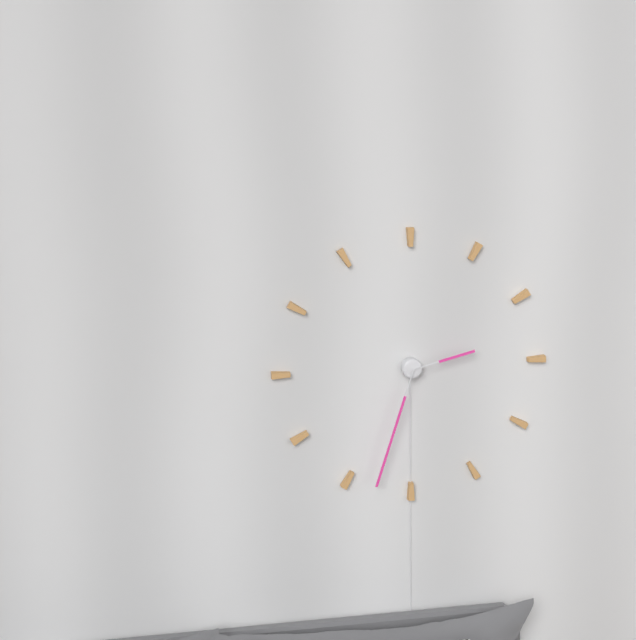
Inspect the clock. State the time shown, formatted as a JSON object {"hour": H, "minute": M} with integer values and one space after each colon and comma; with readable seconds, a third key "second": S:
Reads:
{"hour": 2, "minute": 33}
